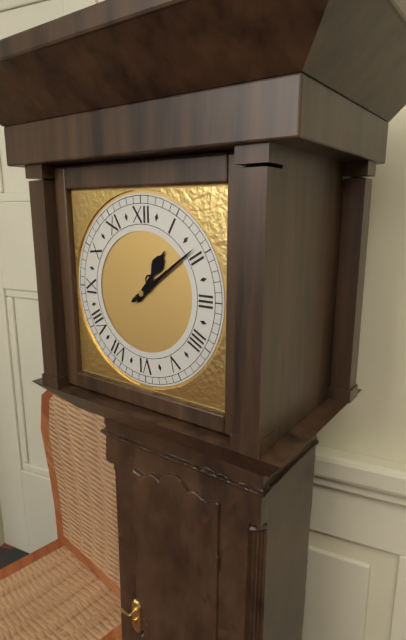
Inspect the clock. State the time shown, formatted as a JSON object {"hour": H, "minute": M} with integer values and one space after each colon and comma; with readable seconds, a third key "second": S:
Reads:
{"hour": 1, "minute": 9}
